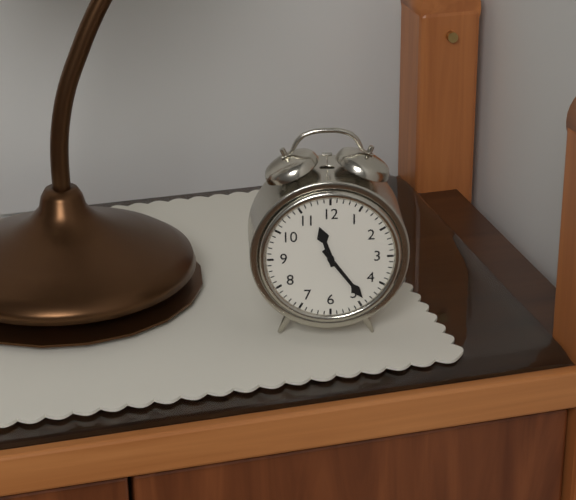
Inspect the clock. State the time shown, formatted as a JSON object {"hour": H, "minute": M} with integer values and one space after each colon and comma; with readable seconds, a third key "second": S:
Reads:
{"hour": 11, "minute": 24}
